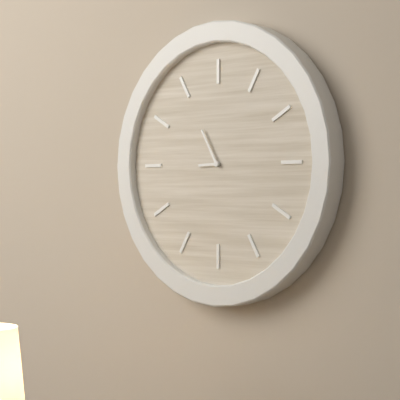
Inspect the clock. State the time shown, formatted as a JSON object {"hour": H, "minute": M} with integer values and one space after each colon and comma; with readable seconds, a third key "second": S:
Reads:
{"hour": 8, "minute": 55}
